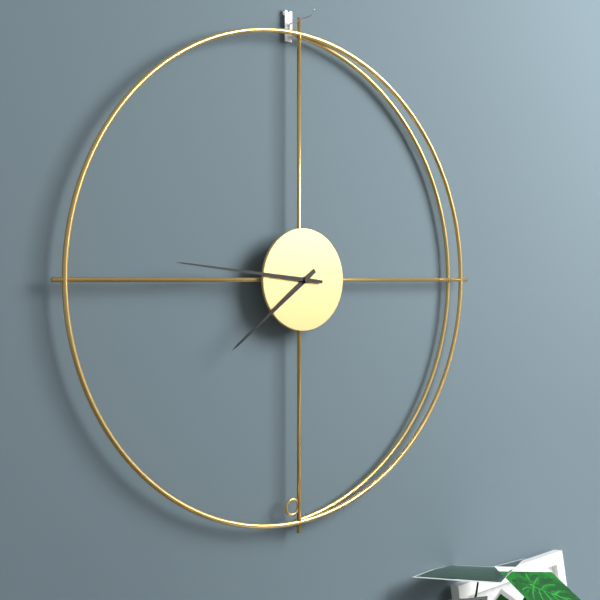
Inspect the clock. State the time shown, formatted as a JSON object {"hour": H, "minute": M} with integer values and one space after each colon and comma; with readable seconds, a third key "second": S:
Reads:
{"hour": 7, "minute": 46}
